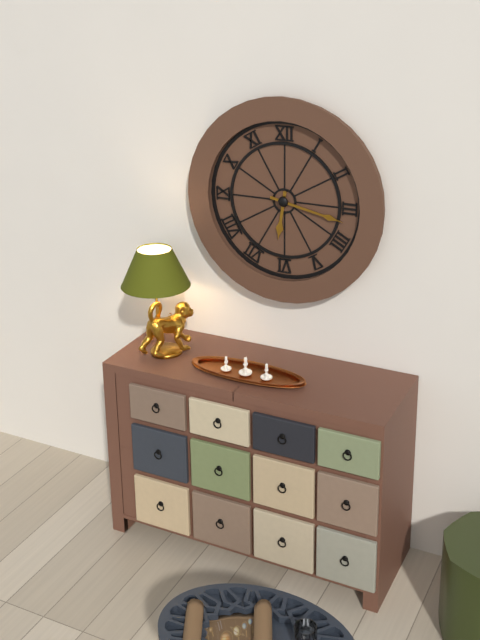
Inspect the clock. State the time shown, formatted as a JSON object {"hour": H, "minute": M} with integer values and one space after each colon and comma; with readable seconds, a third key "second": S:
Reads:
{"hour": 6, "minute": 17}
